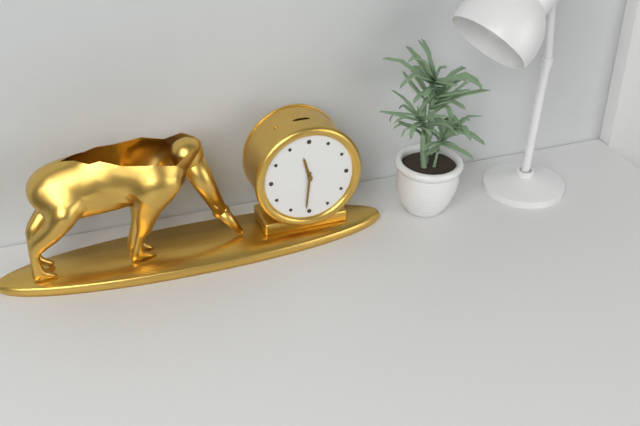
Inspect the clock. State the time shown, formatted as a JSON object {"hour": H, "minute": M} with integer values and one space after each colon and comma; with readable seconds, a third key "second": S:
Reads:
{"hour": 11, "minute": 31}
